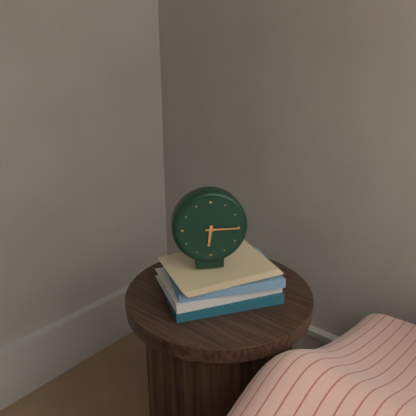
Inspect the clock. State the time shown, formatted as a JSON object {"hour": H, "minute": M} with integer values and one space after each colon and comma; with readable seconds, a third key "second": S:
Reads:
{"hour": 6, "minute": 15}
